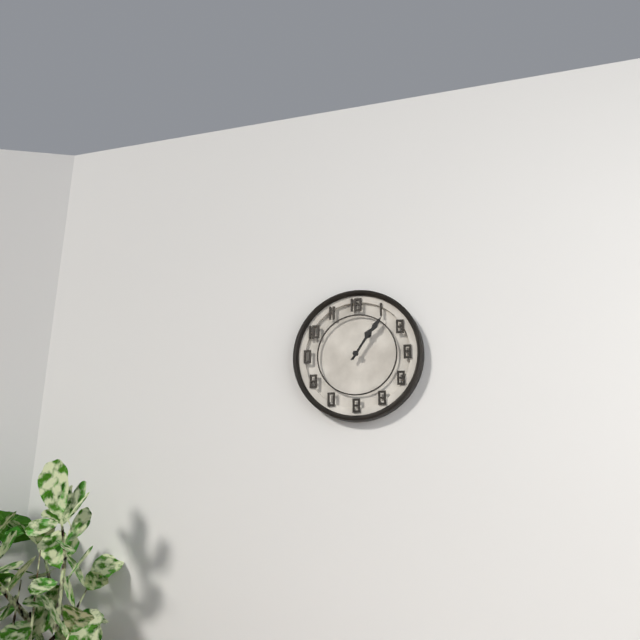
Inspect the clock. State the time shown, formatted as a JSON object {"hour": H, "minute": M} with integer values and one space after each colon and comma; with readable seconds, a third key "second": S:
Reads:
{"hour": 1, "minute": 6}
